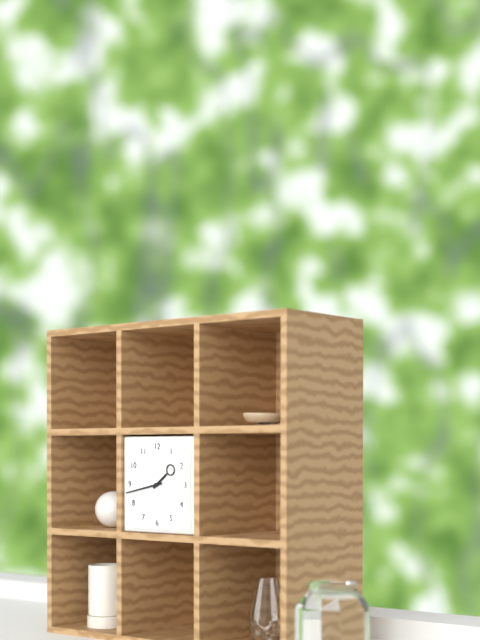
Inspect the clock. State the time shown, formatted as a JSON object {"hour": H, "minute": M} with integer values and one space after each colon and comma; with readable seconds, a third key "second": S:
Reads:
{"hour": 1, "minute": 43}
